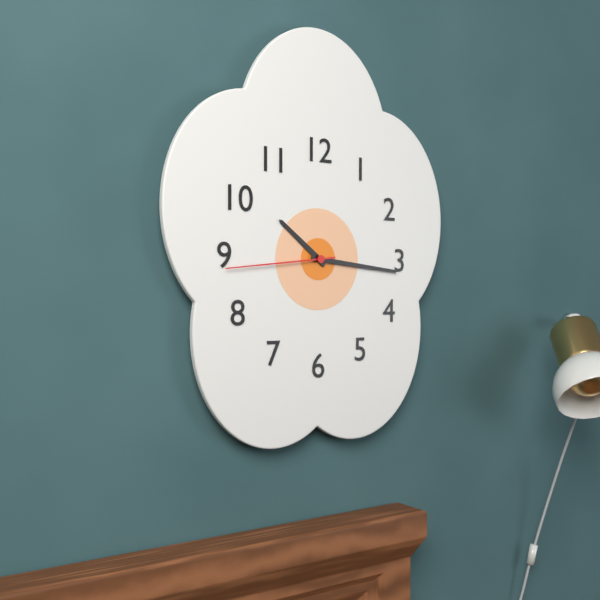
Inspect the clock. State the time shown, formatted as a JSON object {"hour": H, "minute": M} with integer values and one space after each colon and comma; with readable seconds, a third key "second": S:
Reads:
{"hour": 10, "minute": 16, "second": 44}
